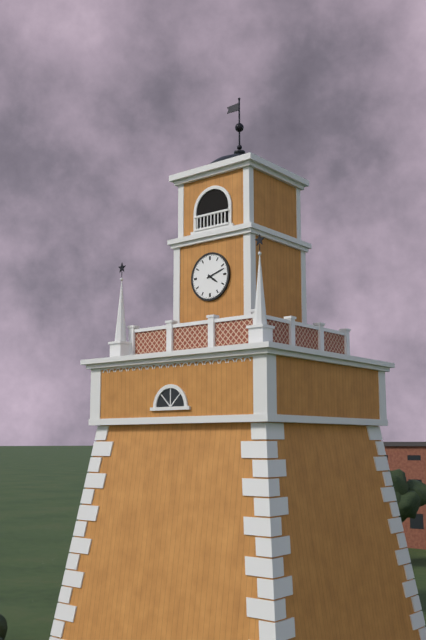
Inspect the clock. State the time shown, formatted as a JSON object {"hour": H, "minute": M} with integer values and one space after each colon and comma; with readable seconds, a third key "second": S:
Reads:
{"hour": 4, "minute": 12}
